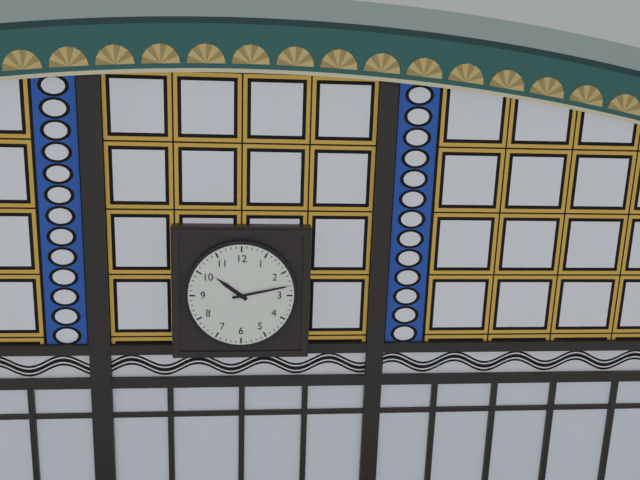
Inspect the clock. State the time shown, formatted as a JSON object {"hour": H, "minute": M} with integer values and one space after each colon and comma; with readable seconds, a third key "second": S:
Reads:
{"hour": 10, "minute": 13}
